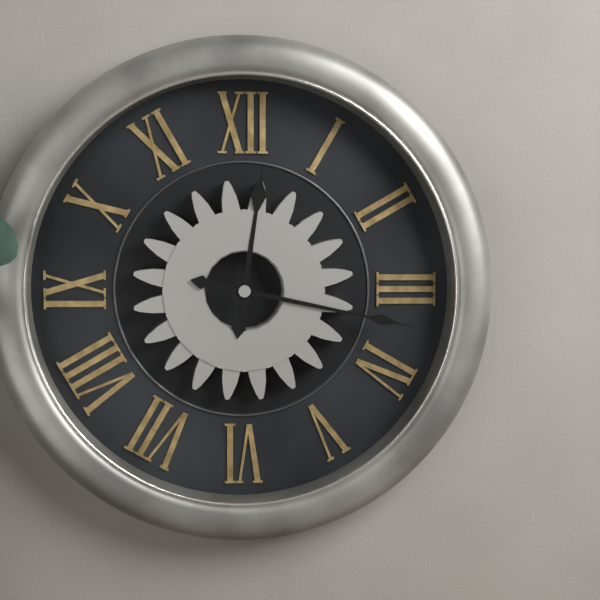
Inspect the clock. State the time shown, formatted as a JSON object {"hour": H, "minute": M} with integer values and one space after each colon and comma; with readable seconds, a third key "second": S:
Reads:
{"hour": 12, "minute": 17}
